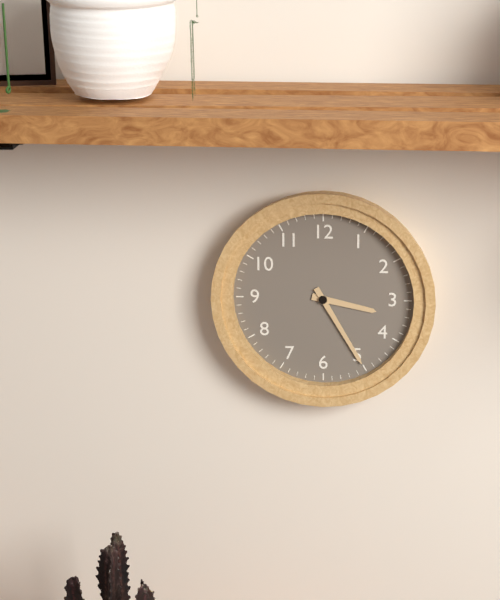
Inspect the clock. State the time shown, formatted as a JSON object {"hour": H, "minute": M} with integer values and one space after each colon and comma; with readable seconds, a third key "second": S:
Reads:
{"hour": 3, "minute": 25}
